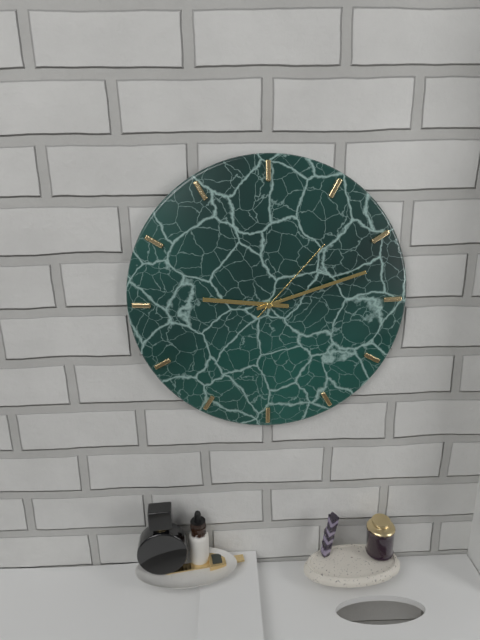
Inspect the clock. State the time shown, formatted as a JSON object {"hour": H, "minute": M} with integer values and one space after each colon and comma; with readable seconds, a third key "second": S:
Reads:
{"hour": 9, "minute": 12, "second": 7}
